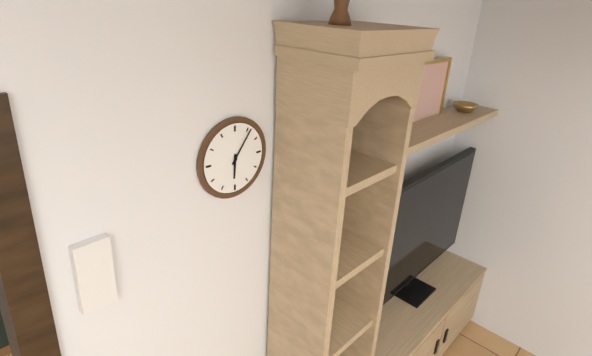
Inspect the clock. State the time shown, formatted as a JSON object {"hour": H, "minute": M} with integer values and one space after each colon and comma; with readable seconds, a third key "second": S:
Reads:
{"hour": 6, "minute": 6}
